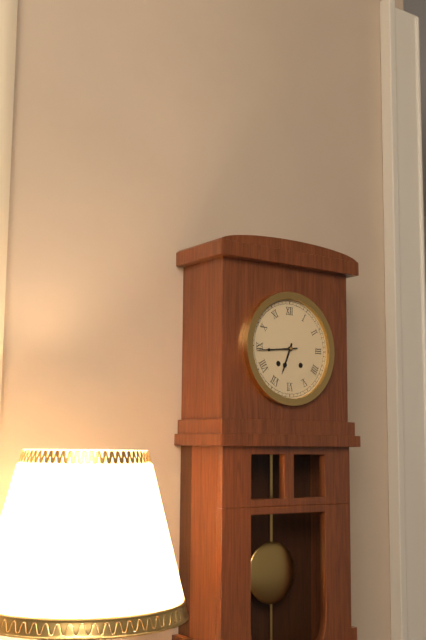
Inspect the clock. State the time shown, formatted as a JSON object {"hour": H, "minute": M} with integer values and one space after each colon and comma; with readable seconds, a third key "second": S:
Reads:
{"hour": 6, "minute": 44}
